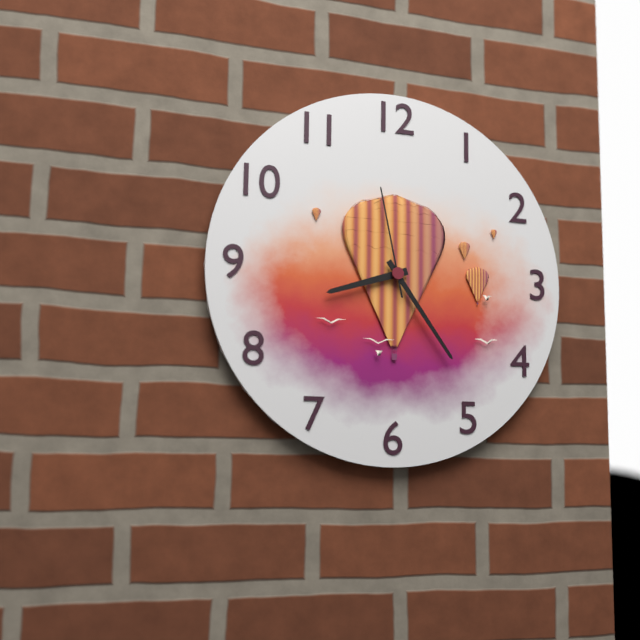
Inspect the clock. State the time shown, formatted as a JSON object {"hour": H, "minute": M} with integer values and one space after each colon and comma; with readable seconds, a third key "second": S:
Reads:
{"hour": 8, "minute": 24, "second": 58}
